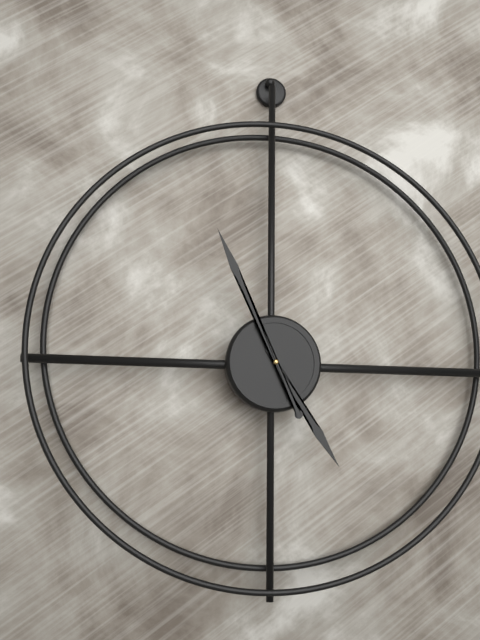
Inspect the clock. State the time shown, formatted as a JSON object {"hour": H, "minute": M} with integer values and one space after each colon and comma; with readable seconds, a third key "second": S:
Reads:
{"hour": 4, "minute": 56}
